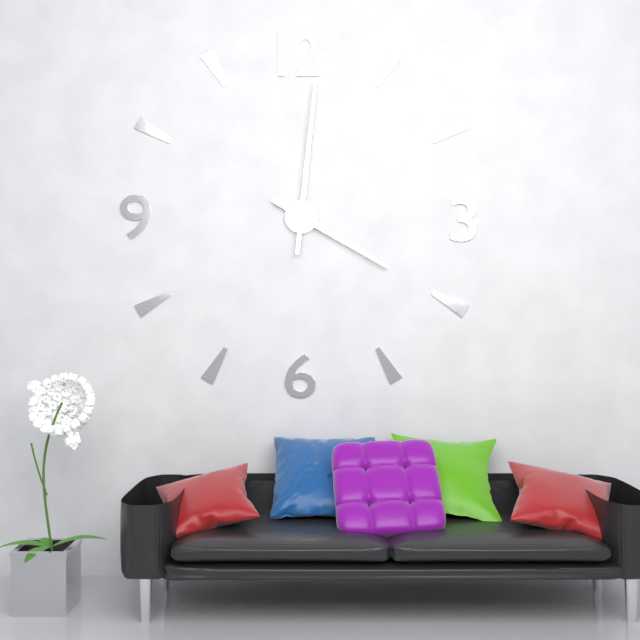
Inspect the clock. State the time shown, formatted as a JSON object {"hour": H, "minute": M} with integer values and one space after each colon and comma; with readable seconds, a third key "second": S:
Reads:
{"hour": 4, "minute": 1}
